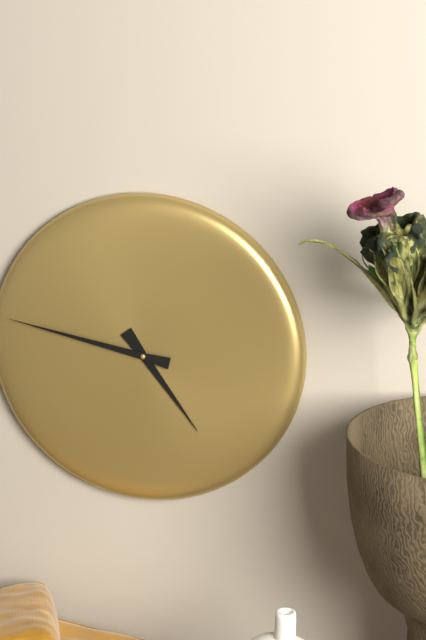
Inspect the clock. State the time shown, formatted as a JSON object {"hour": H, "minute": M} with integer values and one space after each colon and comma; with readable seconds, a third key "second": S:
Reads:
{"hour": 4, "minute": 47}
